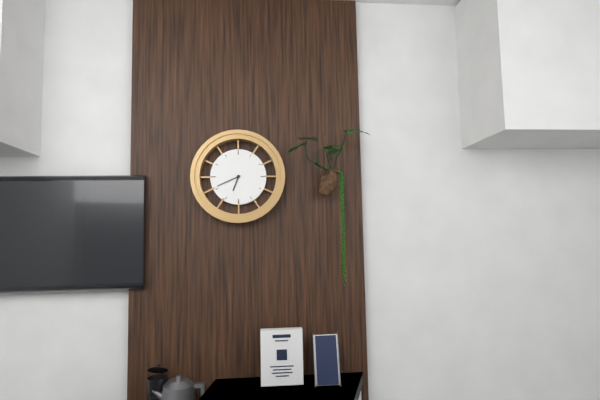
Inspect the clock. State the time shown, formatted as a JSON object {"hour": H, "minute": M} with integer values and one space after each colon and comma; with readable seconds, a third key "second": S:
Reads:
{"hour": 6, "minute": 41}
